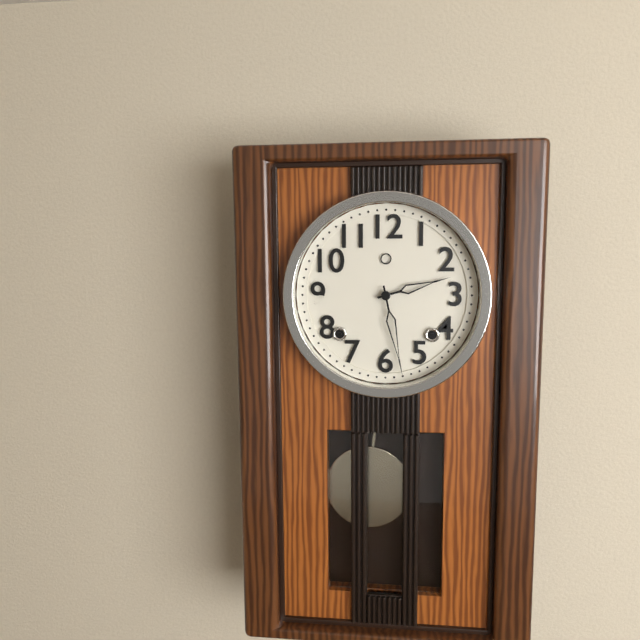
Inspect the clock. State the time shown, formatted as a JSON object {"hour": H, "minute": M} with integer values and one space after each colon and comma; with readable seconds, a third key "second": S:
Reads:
{"hour": 2, "minute": 28}
